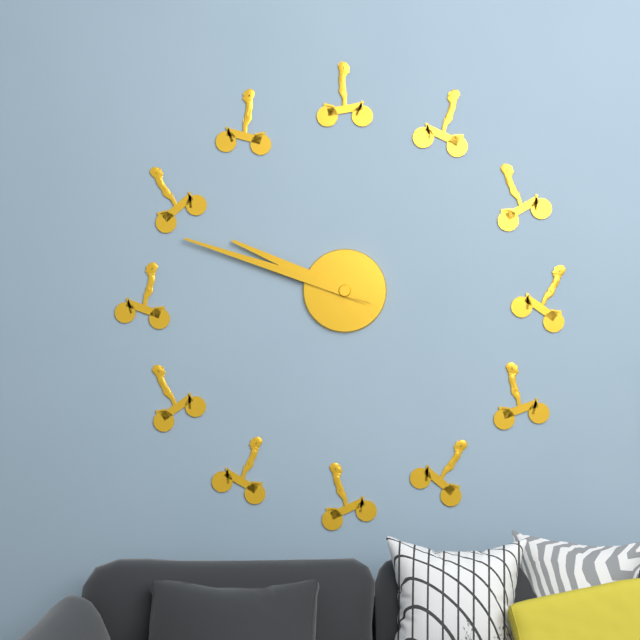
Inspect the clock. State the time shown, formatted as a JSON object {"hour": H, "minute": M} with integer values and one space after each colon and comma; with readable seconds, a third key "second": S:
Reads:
{"hour": 9, "minute": 48}
